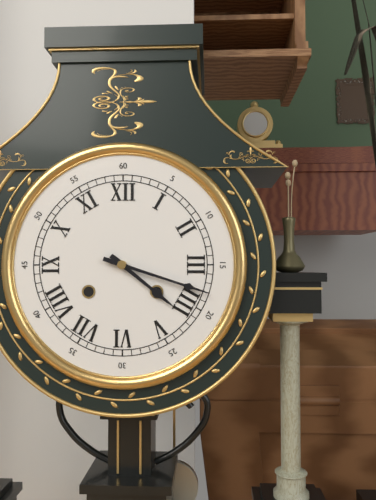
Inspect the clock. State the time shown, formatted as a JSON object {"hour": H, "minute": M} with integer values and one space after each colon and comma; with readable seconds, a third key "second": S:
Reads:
{"hour": 4, "minute": 18}
